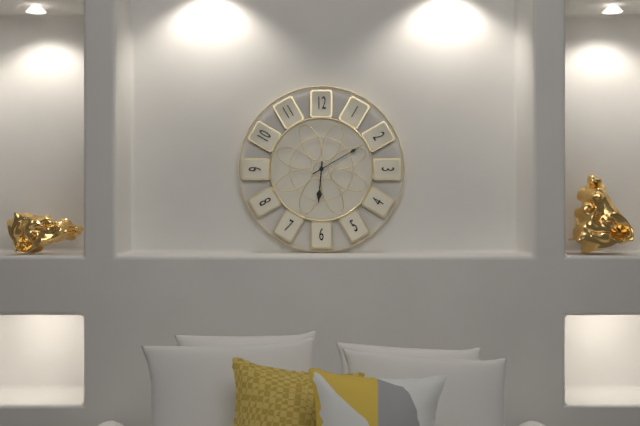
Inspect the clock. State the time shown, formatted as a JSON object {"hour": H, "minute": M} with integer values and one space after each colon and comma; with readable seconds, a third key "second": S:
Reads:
{"hour": 6, "minute": 10}
